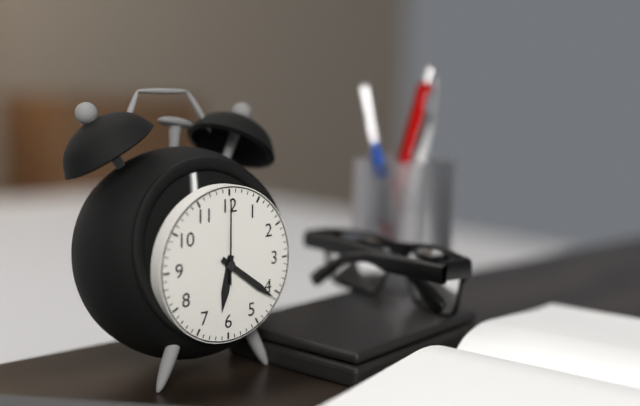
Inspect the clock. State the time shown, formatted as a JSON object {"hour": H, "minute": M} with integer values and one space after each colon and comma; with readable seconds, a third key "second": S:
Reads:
{"hour": 6, "minute": 21, "second": 0}
